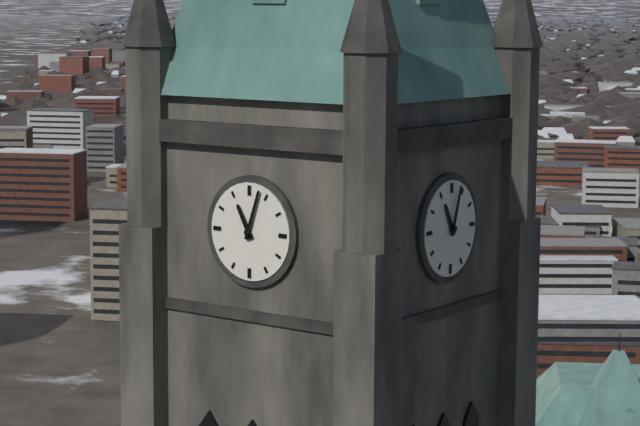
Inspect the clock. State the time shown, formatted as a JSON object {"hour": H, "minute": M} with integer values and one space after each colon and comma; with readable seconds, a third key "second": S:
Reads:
{"hour": 11, "minute": 3}
